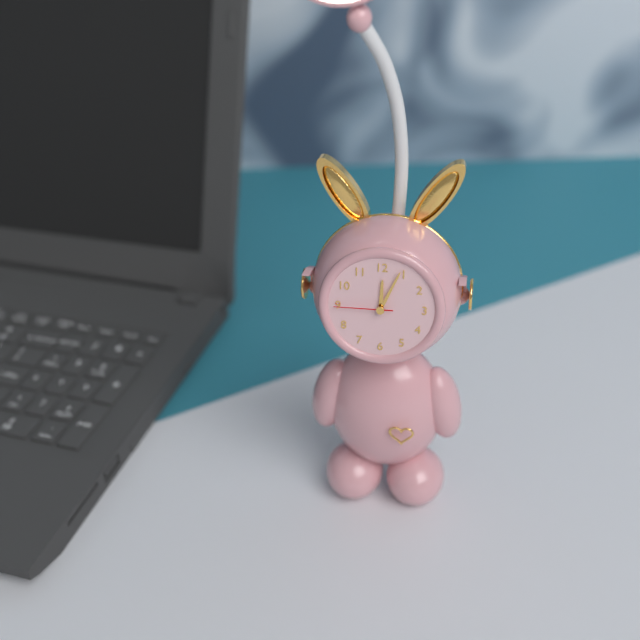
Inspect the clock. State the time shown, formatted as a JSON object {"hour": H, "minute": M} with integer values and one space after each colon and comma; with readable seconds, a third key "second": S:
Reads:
{"hour": 12, "minute": 4, "second": 45}
